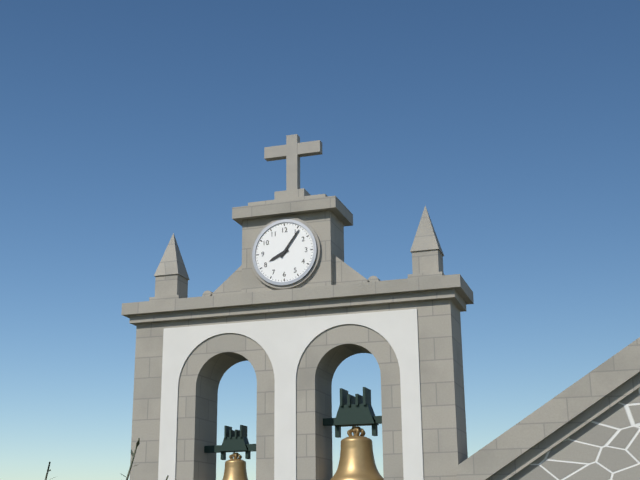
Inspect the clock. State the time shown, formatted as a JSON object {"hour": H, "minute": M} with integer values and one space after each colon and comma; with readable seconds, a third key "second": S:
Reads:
{"hour": 8, "minute": 6}
